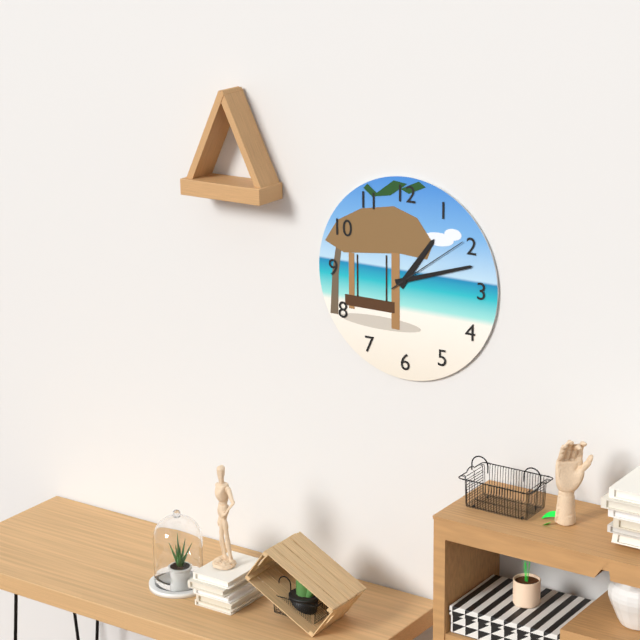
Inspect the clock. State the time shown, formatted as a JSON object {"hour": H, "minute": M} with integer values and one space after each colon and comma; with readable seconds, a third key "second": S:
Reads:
{"hour": 1, "minute": 12, "second": 9}
